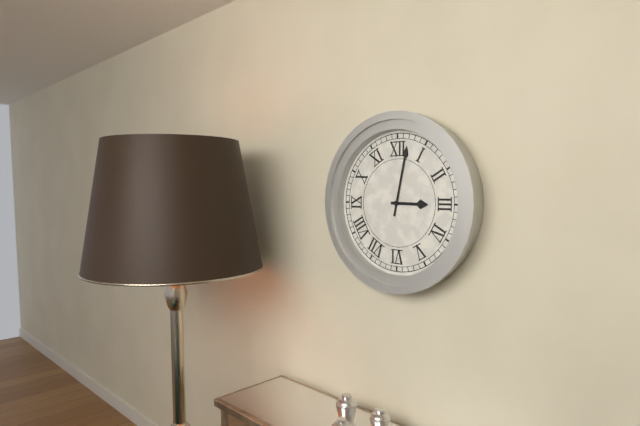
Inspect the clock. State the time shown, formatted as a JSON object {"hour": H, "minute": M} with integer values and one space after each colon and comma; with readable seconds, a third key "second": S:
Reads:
{"hour": 3, "minute": 2}
